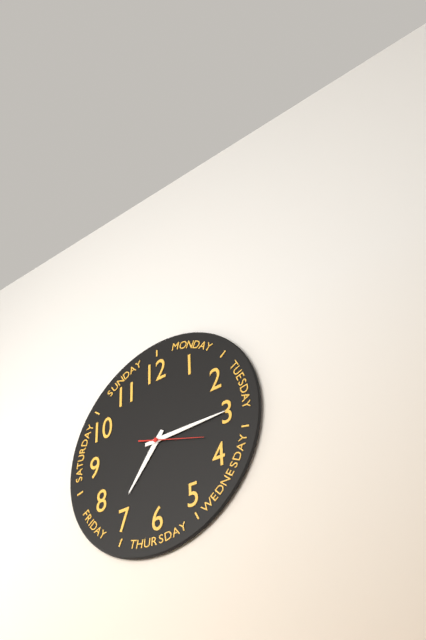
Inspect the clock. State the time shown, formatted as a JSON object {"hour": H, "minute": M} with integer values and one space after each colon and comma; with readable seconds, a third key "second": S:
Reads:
{"hour": 7, "minute": 15, "second": 18}
